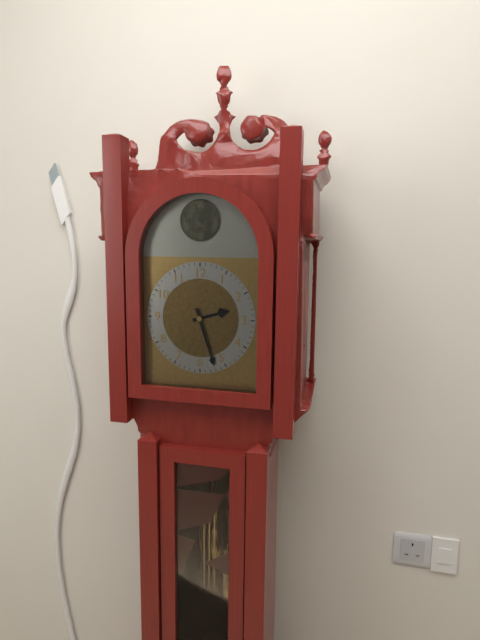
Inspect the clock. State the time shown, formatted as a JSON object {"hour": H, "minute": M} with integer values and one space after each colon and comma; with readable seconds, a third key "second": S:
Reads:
{"hour": 2, "minute": 27}
